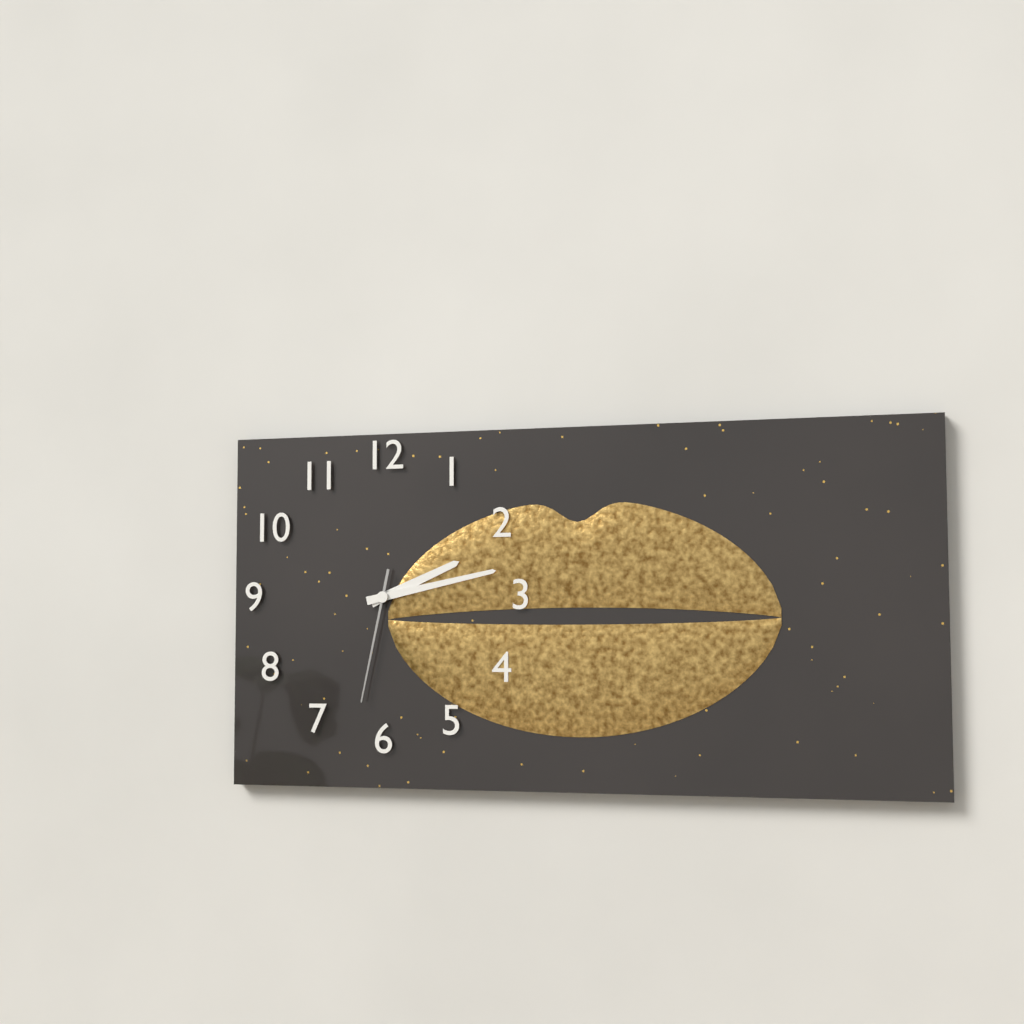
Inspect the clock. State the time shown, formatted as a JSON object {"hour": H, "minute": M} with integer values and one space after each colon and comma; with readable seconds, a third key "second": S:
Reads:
{"hour": 2, "minute": 13, "second": 32}
